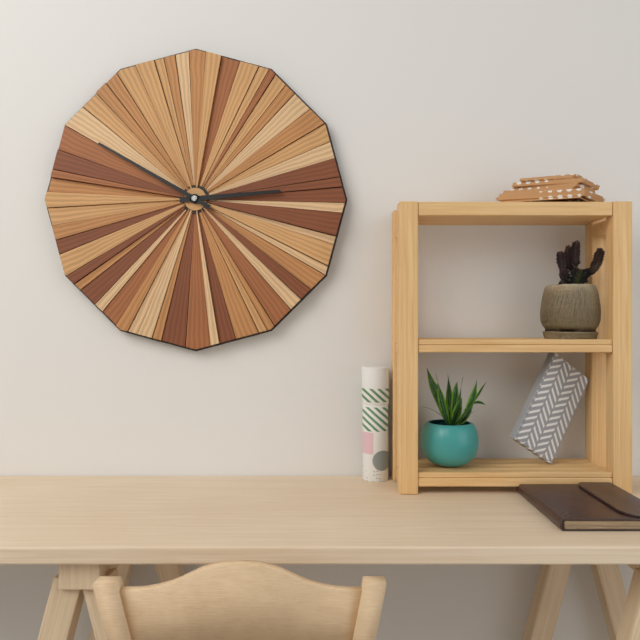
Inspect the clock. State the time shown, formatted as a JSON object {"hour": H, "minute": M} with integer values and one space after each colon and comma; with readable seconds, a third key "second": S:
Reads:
{"hour": 2, "minute": 50}
